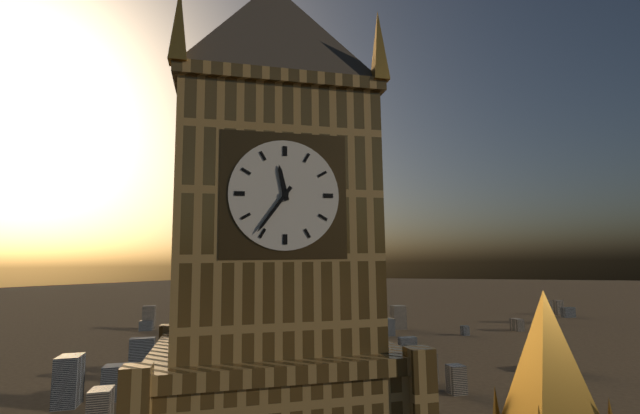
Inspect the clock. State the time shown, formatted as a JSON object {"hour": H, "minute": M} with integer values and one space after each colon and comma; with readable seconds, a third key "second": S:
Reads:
{"hour": 11, "minute": 36}
